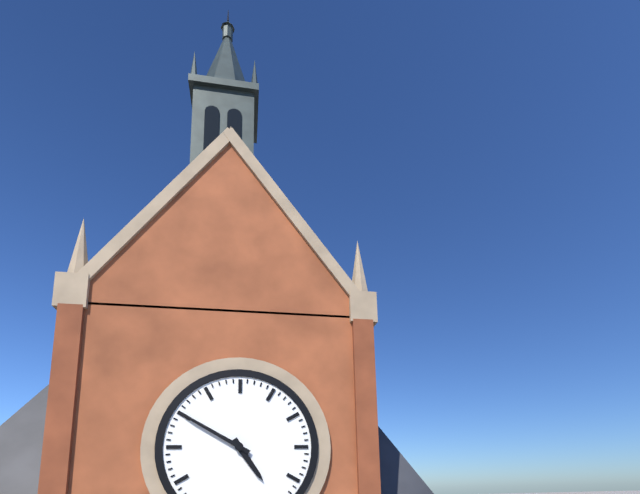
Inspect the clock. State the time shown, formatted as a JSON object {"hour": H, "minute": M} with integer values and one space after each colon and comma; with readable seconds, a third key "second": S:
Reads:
{"hour": 4, "minute": 50}
